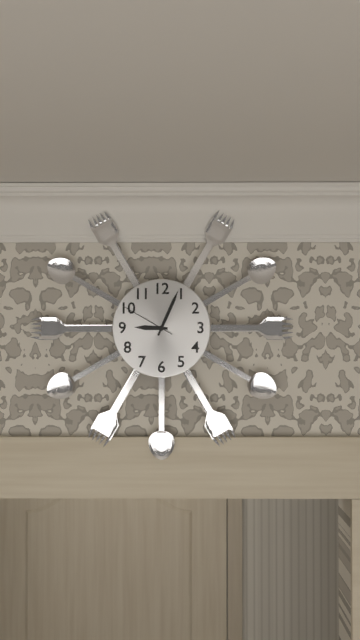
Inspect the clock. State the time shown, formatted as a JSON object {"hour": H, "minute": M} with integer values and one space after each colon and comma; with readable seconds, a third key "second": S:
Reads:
{"hour": 9, "minute": 4, "second": 50}
